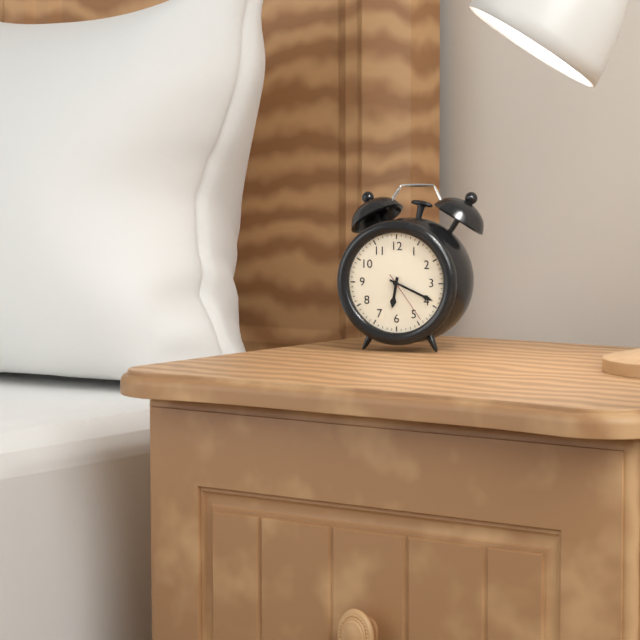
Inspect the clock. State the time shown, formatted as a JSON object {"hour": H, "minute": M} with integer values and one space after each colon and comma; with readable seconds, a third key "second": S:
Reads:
{"hour": 6, "minute": 19, "second": 24}
